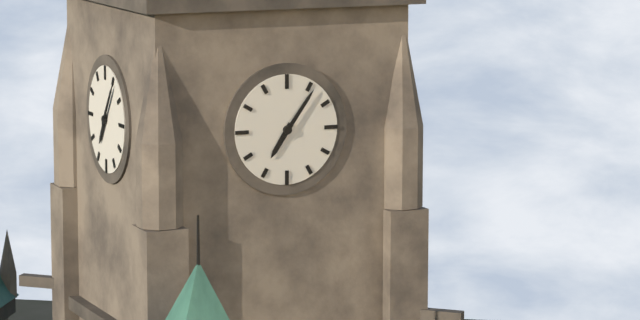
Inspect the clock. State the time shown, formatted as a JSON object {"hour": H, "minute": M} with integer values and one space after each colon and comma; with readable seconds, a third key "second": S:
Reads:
{"hour": 7, "minute": 6}
